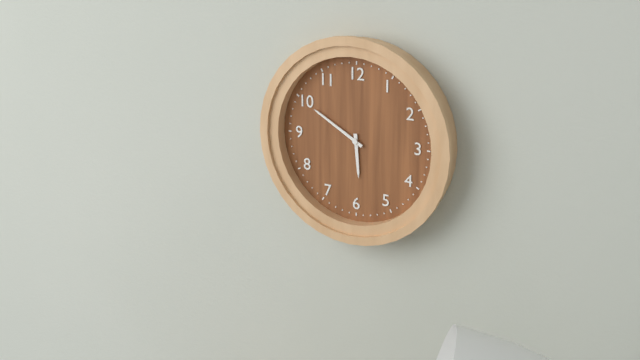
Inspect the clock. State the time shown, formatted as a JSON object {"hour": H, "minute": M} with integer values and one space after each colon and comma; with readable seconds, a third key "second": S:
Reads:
{"hour": 5, "minute": 50}
